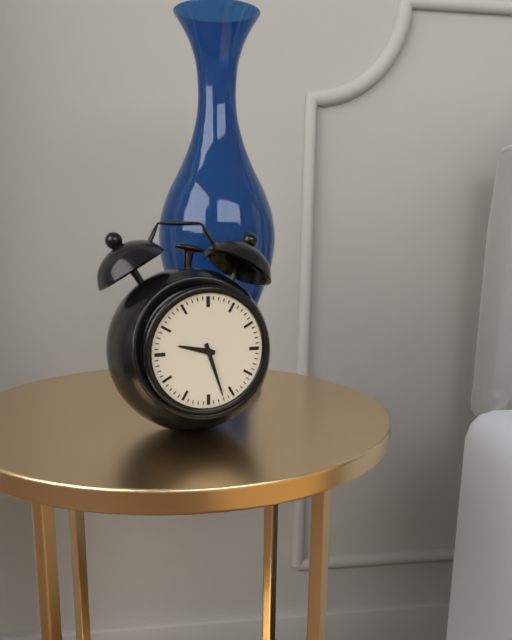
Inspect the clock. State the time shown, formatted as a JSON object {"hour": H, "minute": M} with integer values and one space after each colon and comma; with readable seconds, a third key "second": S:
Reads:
{"hour": 9, "minute": 27}
